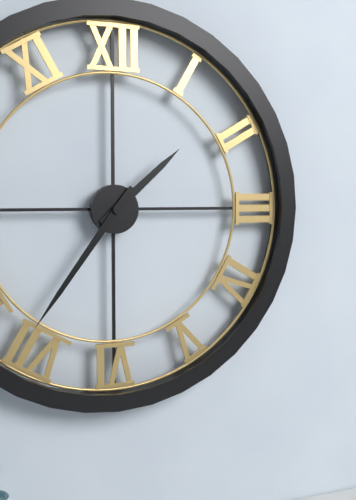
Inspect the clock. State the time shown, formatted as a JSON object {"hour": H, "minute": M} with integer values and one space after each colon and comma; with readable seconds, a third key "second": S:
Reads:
{"hour": 1, "minute": 36}
